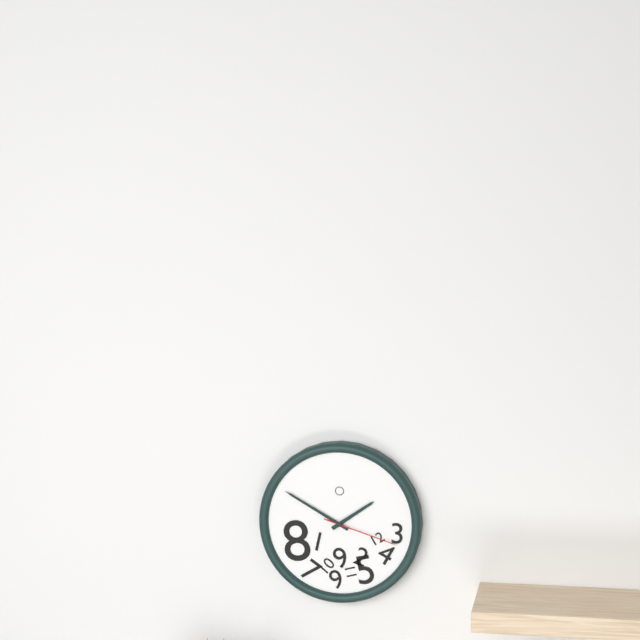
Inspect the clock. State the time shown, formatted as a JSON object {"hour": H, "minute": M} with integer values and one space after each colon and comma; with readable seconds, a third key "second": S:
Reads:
{"hour": 1, "minute": 50, "second": 18}
